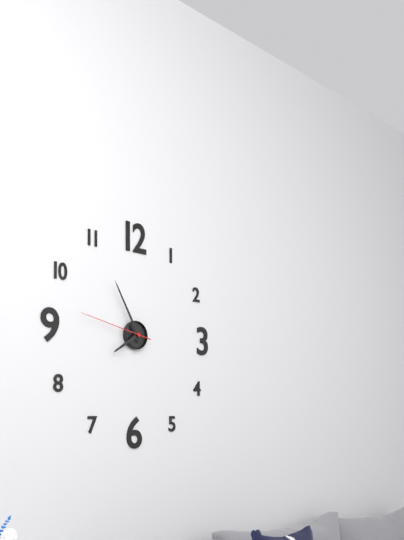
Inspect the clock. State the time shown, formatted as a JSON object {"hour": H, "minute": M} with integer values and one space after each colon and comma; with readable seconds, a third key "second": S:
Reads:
{"hour": 7, "minute": 55, "second": 47}
